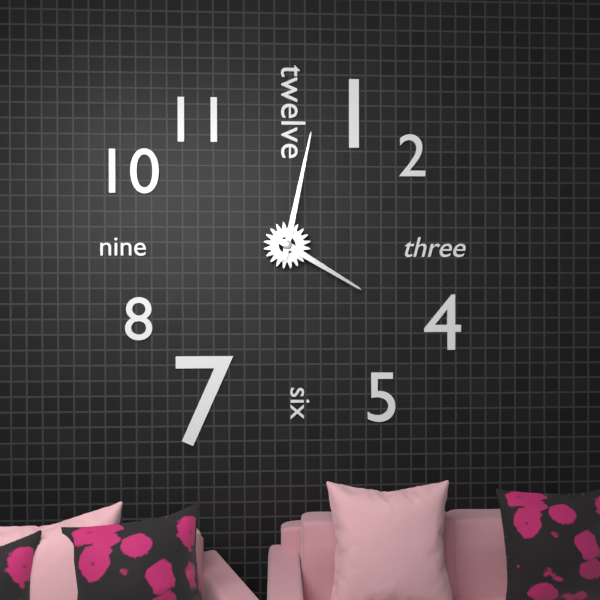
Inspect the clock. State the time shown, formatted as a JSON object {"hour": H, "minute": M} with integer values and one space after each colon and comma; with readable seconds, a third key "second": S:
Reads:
{"hour": 4, "minute": 2}
